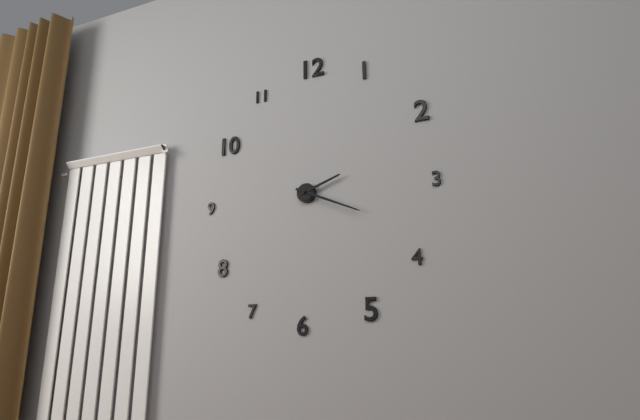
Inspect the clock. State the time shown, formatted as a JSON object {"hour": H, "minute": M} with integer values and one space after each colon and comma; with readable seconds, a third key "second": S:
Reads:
{"hour": 2, "minute": 19}
